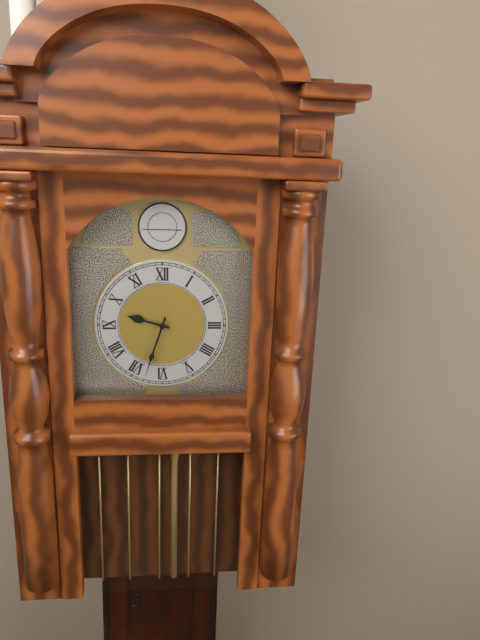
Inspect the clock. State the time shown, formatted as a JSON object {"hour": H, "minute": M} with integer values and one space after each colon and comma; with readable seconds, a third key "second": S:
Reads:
{"hour": 9, "minute": 33}
